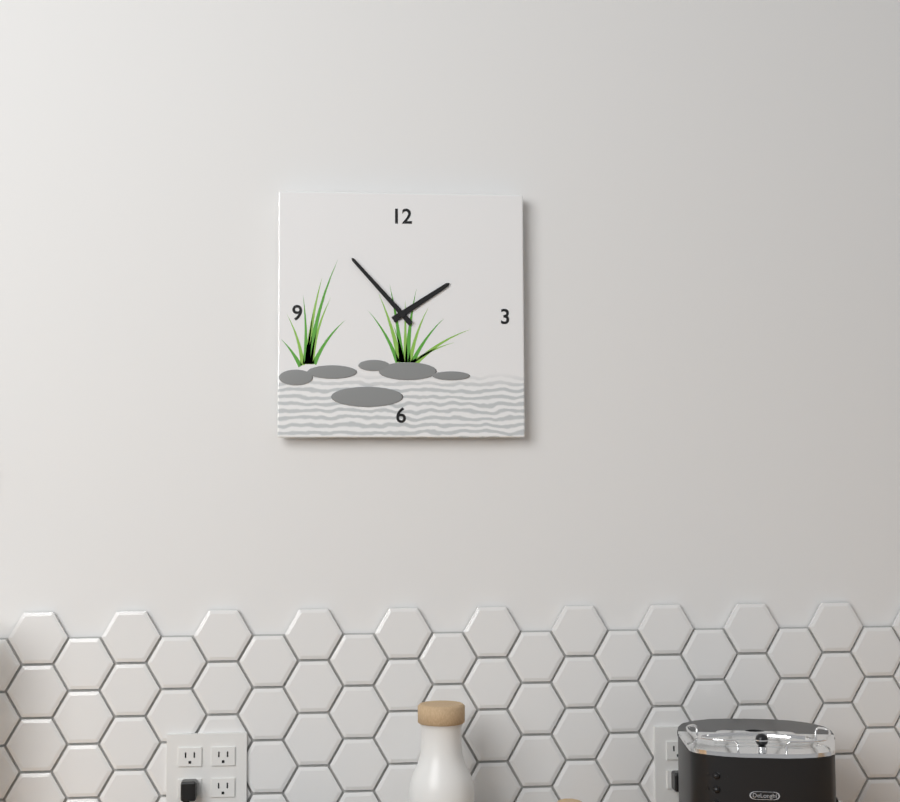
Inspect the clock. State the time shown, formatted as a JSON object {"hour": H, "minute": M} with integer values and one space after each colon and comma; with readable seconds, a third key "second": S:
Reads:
{"hour": 1, "minute": 53}
